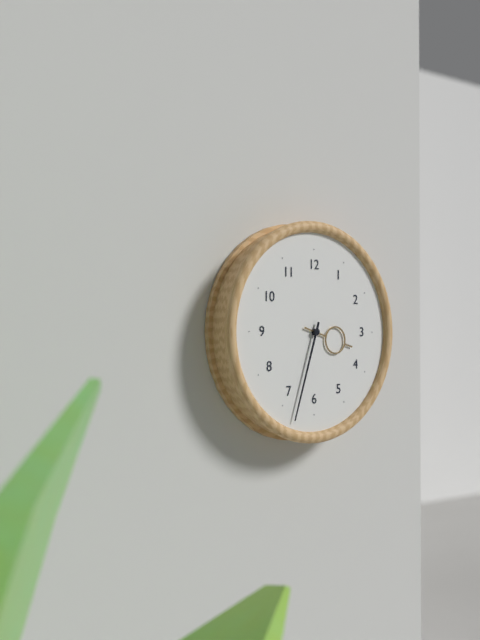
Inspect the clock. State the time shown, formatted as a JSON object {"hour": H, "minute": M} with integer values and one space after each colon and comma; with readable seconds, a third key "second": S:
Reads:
{"hour": 3, "minute": 33}
